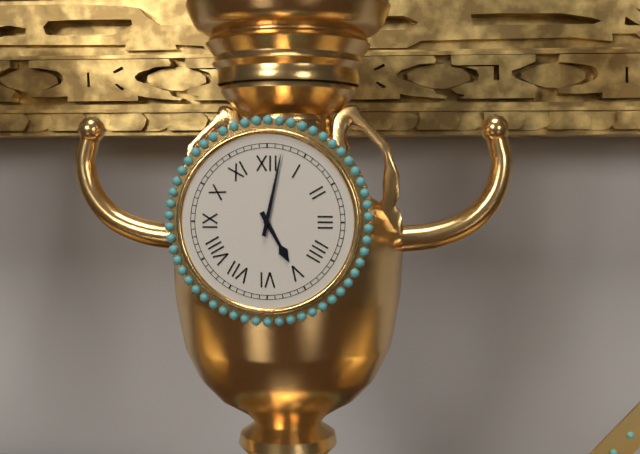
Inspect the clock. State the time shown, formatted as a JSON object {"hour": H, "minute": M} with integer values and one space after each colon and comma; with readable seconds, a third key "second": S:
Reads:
{"hour": 5, "minute": 2}
